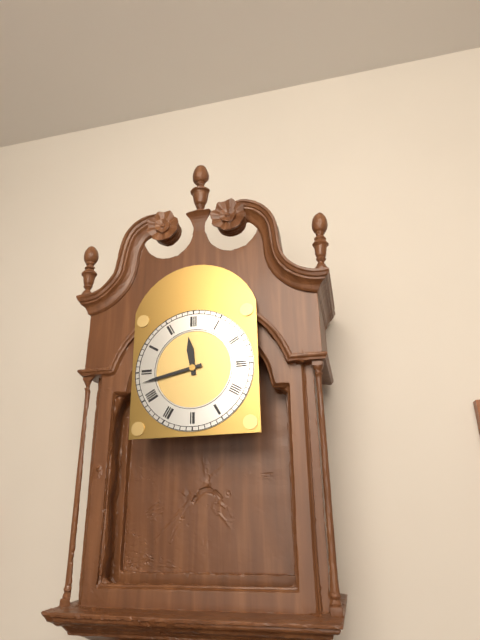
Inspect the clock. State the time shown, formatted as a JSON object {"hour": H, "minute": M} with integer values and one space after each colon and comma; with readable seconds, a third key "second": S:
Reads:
{"hour": 11, "minute": 43}
